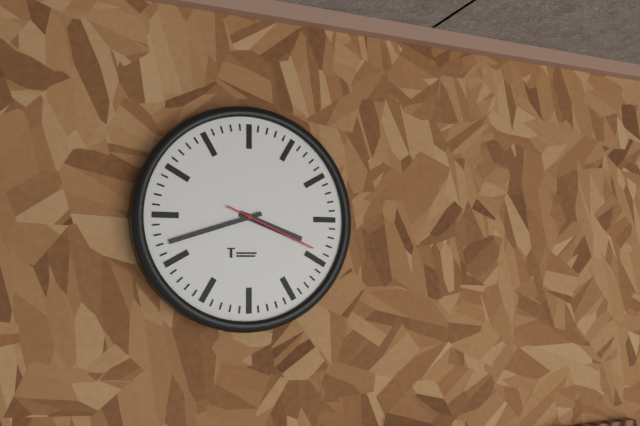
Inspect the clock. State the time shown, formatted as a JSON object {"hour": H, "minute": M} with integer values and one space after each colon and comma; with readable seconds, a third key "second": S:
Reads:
{"hour": 3, "minute": 42, "second": 19}
